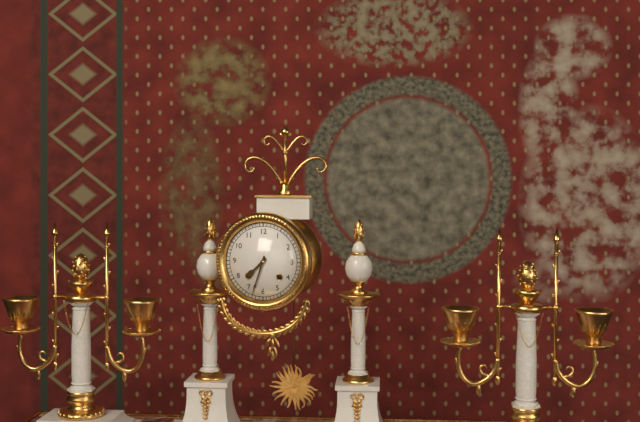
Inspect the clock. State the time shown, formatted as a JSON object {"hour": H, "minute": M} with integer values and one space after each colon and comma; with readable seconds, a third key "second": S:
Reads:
{"hour": 7, "minute": 33}
